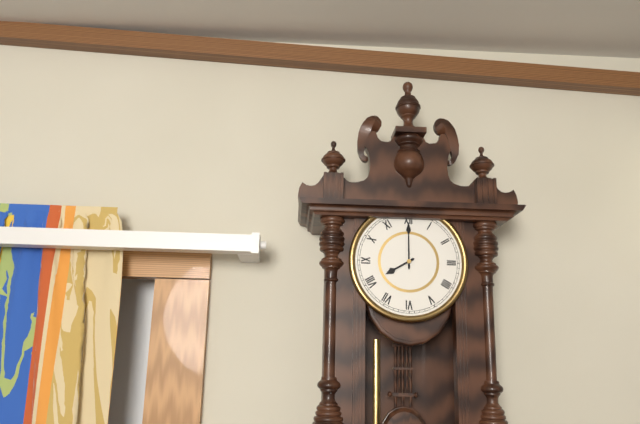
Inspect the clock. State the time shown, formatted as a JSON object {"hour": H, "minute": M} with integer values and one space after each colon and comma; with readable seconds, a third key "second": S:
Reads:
{"hour": 8, "minute": 0}
